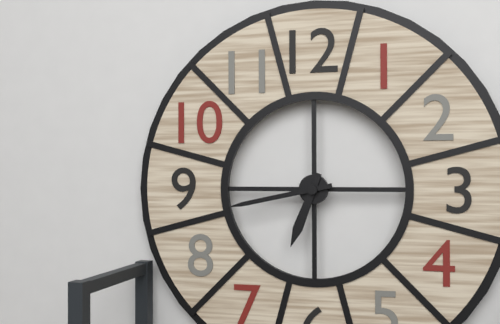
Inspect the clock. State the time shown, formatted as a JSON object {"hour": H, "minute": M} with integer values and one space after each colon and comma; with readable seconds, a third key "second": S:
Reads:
{"hour": 6, "minute": 43}
